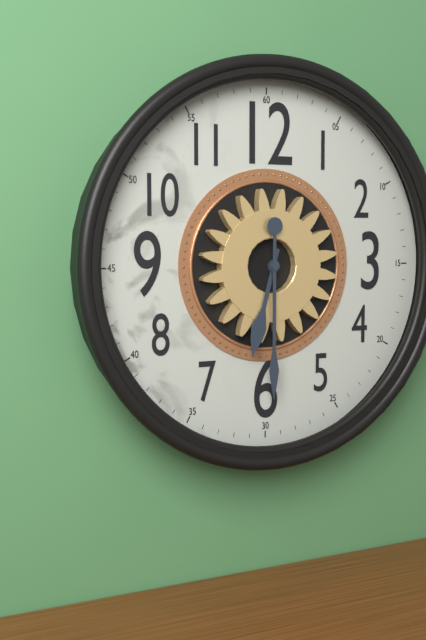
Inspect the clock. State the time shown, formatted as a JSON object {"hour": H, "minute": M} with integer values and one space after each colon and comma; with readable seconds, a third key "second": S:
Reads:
{"hour": 6, "minute": 30}
